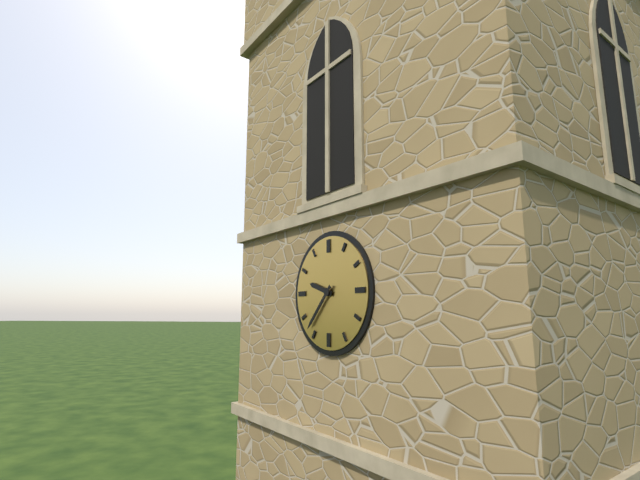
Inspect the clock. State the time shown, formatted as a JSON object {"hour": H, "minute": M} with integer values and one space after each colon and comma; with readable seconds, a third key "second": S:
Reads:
{"hour": 9, "minute": 37}
